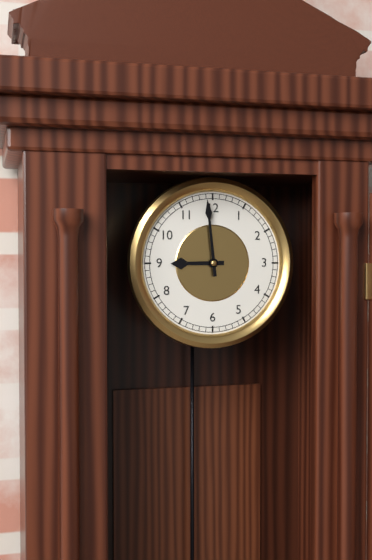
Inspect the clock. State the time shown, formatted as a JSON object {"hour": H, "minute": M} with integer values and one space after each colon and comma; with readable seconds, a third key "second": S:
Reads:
{"hour": 8, "minute": 59}
